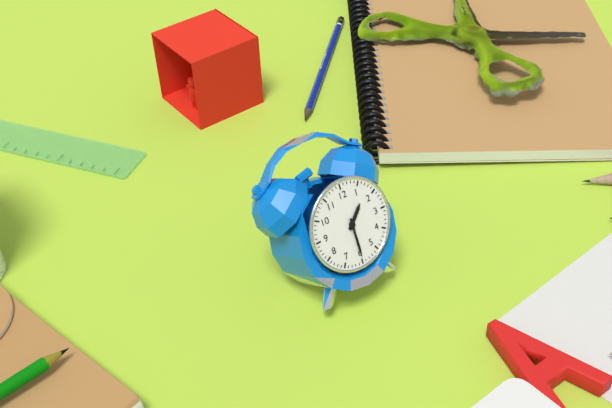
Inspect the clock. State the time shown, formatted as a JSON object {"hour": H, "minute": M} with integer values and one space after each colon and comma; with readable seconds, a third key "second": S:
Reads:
{"hour": 1, "minute": 30}
